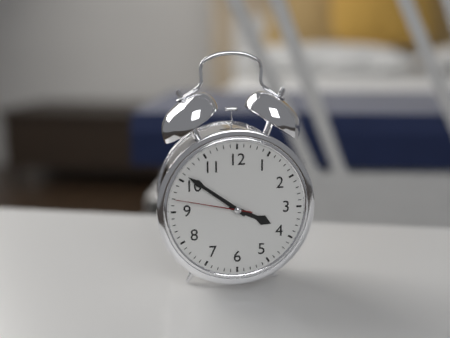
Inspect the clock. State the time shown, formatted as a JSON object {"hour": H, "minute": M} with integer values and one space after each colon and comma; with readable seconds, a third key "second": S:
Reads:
{"hour": 3, "minute": 51, "second": 47}
